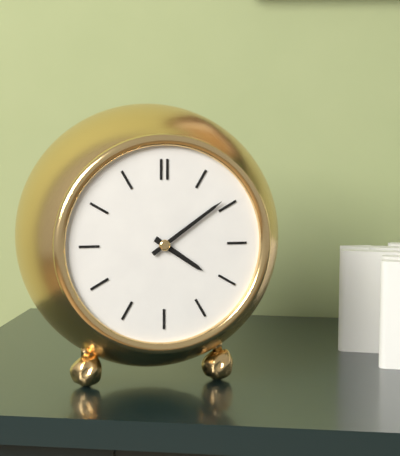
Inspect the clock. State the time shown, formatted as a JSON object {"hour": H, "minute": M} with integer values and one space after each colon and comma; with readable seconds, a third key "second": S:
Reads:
{"hour": 4, "minute": 9}
